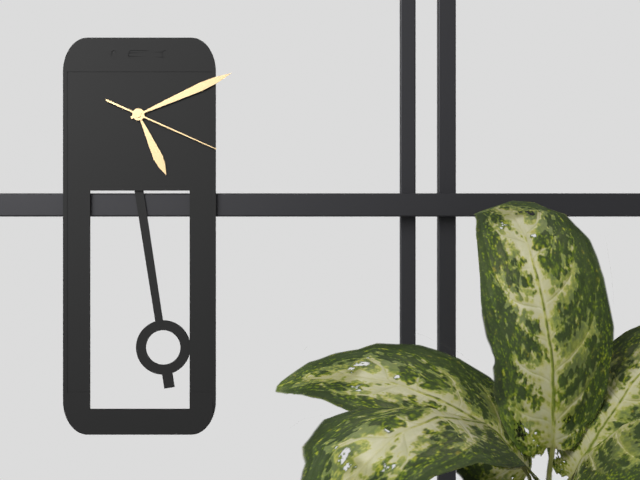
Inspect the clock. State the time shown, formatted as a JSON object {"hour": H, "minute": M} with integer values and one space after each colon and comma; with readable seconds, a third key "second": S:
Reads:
{"hour": 5, "minute": 11, "second": 19}
